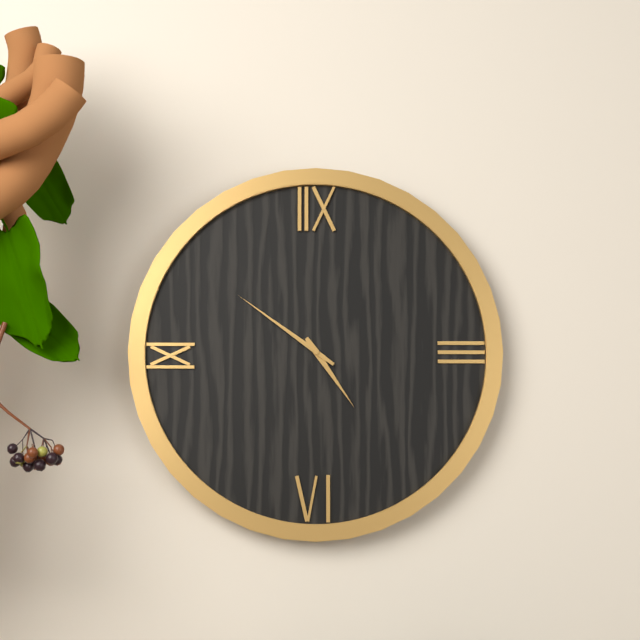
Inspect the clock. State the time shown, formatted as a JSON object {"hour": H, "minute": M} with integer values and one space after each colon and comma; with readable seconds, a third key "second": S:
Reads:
{"hour": 4, "minute": 51}
